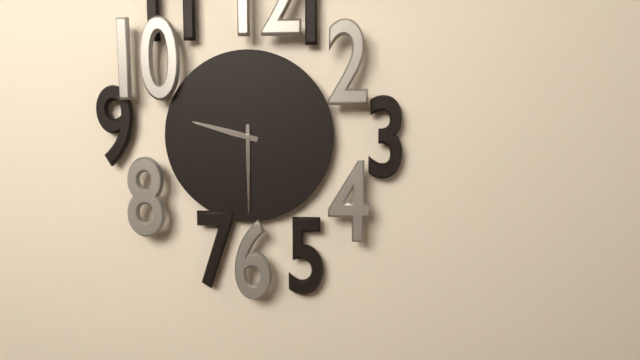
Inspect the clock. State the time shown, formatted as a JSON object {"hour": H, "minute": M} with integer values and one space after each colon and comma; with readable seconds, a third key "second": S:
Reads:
{"hour": 9, "minute": 30}
